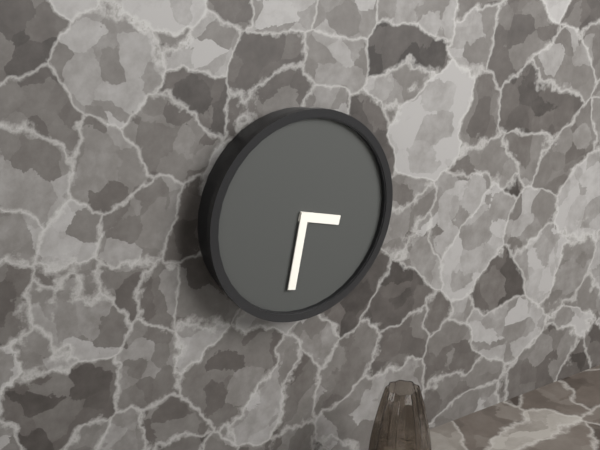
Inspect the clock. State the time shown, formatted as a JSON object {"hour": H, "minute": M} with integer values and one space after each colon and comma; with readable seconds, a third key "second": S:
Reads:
{"hour": 3, "minute": 32}
